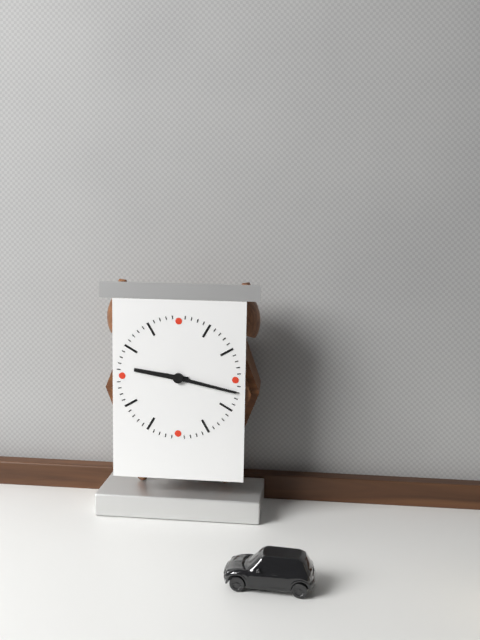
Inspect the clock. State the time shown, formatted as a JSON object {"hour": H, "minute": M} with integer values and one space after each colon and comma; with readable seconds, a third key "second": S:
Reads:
{"hour": 9, "minute": 17}
